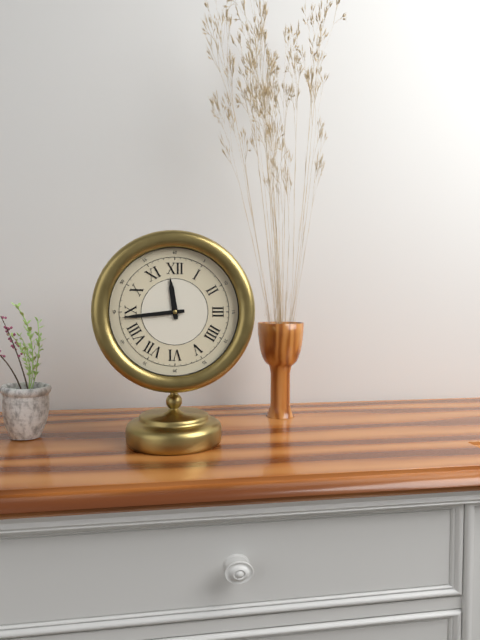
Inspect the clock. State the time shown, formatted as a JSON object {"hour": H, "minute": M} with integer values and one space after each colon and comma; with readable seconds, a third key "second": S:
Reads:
{"hour": 11, "minute": 44}
